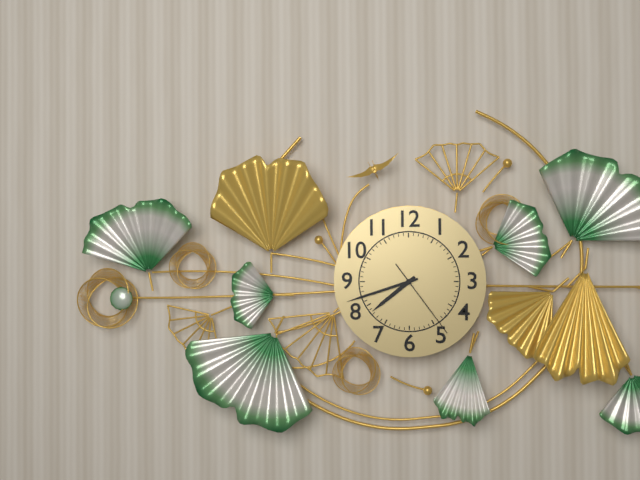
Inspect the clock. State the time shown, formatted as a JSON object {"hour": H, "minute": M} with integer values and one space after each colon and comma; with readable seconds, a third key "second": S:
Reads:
{"hour": 7, "minute": 42, "second": 24}
